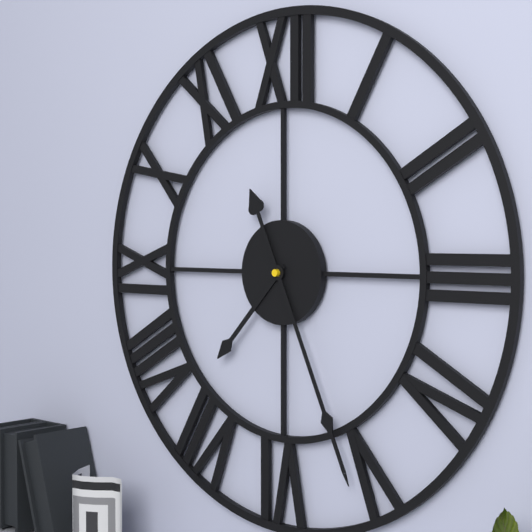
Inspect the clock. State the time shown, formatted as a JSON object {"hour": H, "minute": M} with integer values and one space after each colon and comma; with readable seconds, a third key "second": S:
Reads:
{"hour": 7, "minute": 26}
